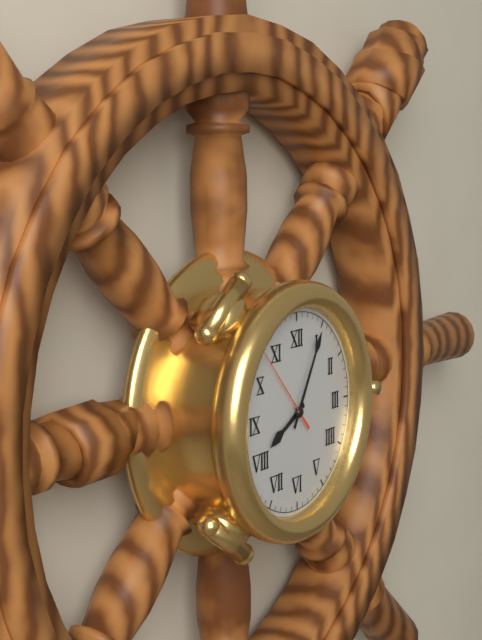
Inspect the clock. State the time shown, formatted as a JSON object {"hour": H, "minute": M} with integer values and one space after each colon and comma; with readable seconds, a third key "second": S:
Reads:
{"hour": 8, "minute": 5, "second": 53}
